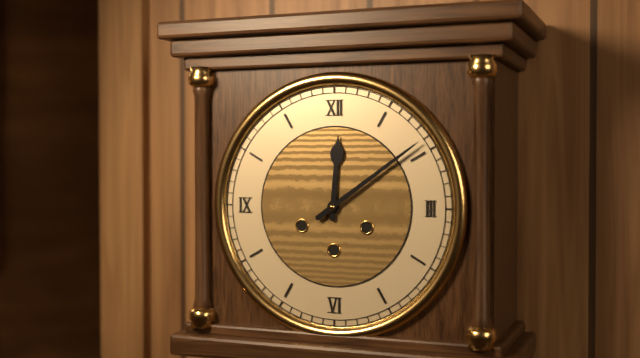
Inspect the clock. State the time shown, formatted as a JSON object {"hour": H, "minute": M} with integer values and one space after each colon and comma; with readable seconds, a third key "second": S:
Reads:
{"hour": 12, "minute": 9}
